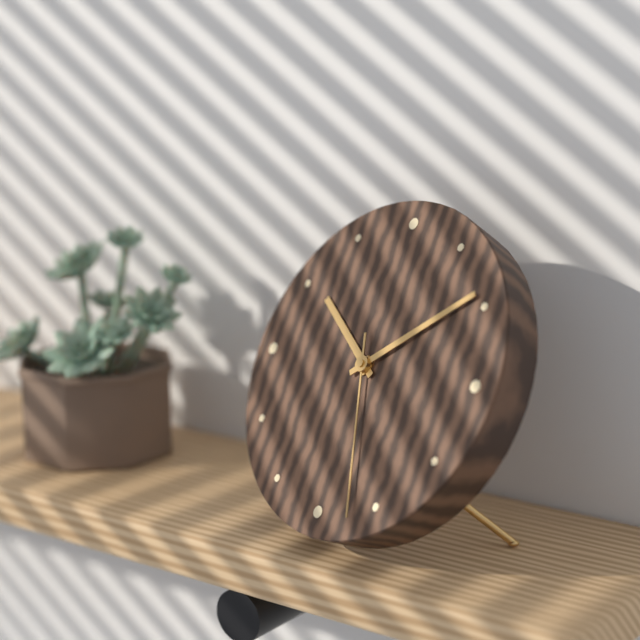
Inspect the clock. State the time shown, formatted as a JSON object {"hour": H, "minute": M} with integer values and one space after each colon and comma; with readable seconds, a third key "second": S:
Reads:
{"hour": 10, "minute": 9, "second": 27}
